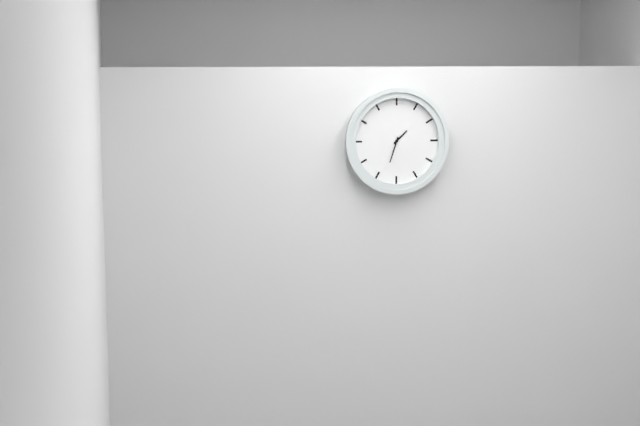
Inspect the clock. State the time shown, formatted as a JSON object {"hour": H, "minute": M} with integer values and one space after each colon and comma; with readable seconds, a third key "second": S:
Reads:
{"hour": 1, "minute": 33}
